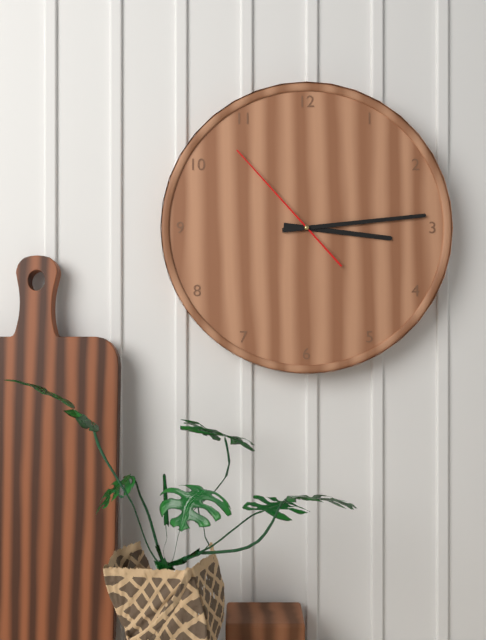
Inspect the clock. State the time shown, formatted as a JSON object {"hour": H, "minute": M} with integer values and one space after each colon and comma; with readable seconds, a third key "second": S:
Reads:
{"hour": 3, "minute": 14, "second": 53}
